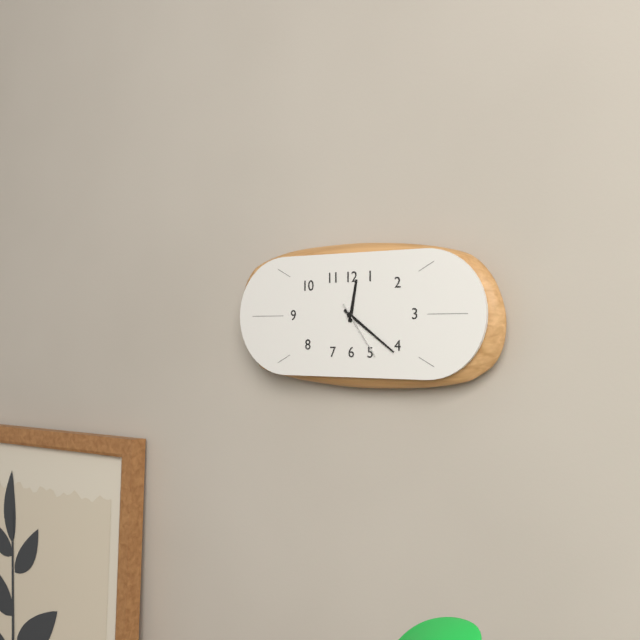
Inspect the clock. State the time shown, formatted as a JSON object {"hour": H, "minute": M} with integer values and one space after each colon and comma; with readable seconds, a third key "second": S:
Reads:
{"hour": 12, "minute": 21, "second": 24}
